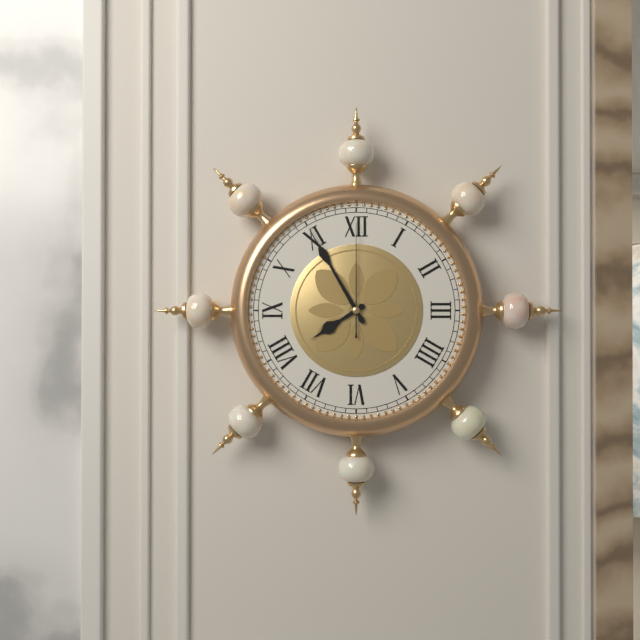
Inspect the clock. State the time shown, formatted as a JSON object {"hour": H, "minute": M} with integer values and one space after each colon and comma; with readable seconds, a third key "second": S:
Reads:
{"hour": 7, "minute": 55, "second": 0}
